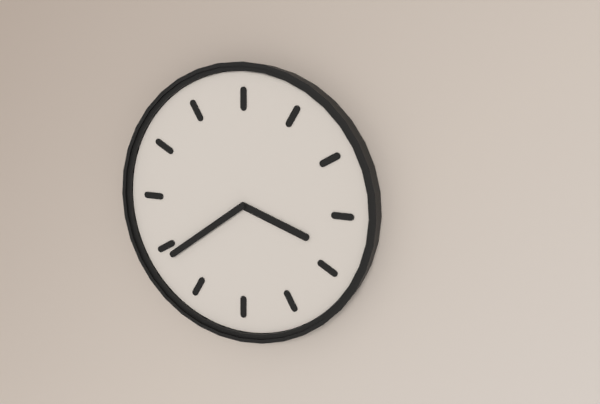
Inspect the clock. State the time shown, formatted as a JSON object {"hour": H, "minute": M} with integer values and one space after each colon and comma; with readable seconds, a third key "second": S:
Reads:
{"hour": 3, "minute": 39}
